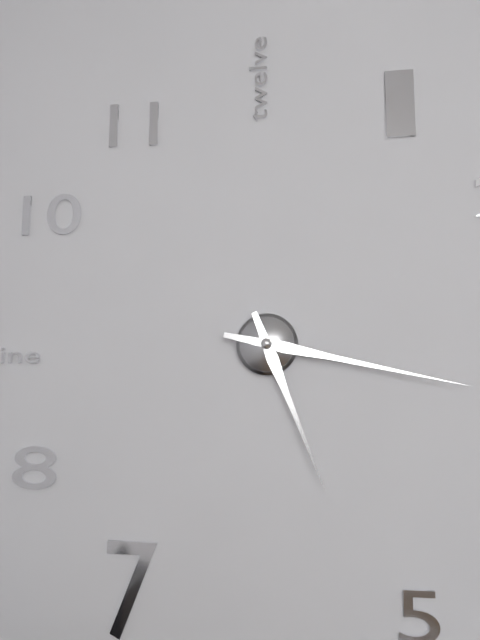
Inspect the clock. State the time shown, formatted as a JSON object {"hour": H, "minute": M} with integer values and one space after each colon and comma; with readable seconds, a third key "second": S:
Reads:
{"hour": 5, "minute": 17}
